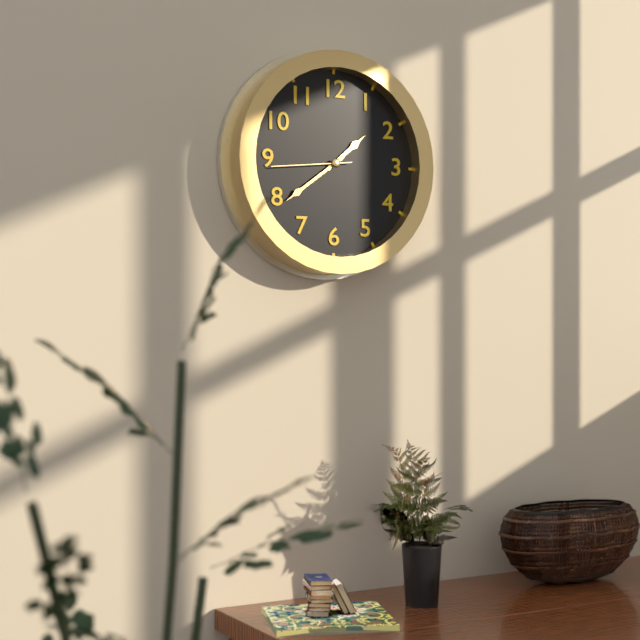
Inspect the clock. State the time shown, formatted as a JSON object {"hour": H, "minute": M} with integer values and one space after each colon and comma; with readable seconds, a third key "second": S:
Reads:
{"hour": 1, "minute": 39, "second": 44}
